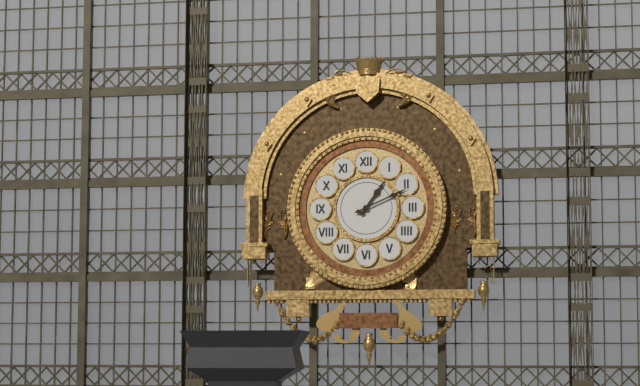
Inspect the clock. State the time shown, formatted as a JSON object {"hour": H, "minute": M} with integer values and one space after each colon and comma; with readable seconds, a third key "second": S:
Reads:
{"hour": 1, "minute": 11}
